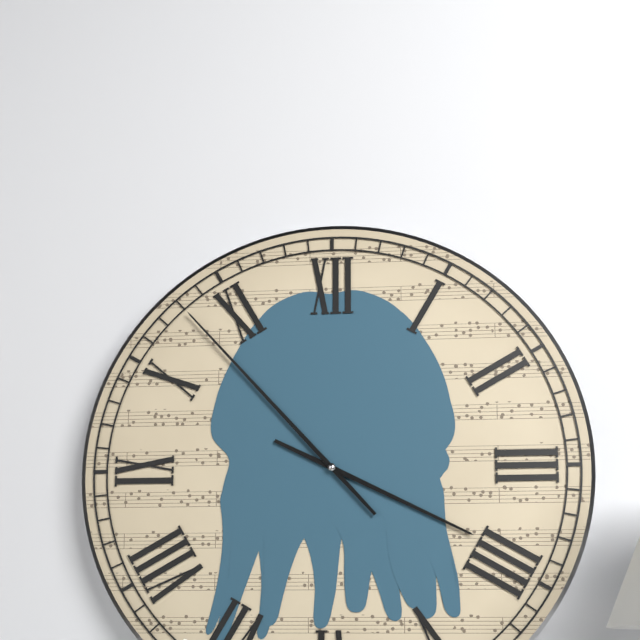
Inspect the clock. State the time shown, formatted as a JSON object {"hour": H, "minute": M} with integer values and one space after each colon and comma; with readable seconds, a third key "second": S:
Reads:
{"hour": 3, "minute": 53}
